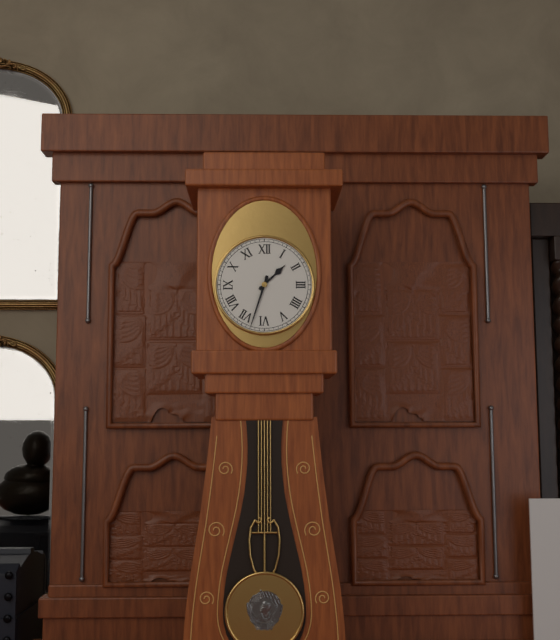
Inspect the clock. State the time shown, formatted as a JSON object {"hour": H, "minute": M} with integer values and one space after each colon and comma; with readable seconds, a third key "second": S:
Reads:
{"hour": 1, "minute": 33}
